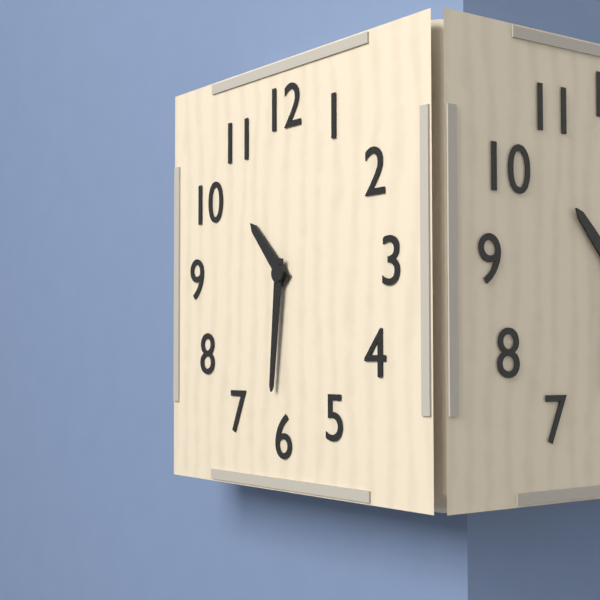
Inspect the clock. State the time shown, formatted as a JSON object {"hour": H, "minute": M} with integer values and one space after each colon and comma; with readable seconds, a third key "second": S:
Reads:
{"hour": 10, "minute": 31}
